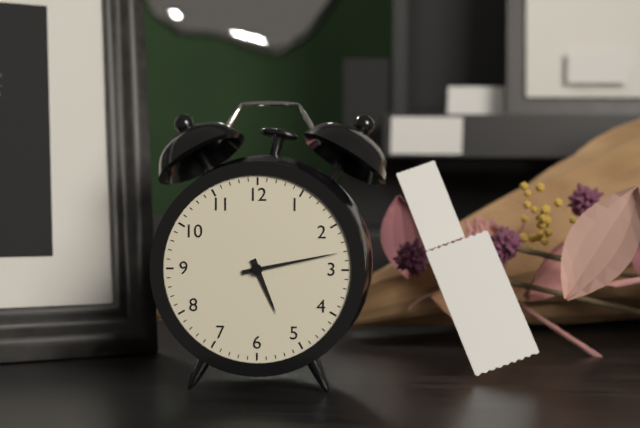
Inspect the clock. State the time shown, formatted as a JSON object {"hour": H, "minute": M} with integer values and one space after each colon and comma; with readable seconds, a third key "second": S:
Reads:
{"hour": 5, "minute": 13}
